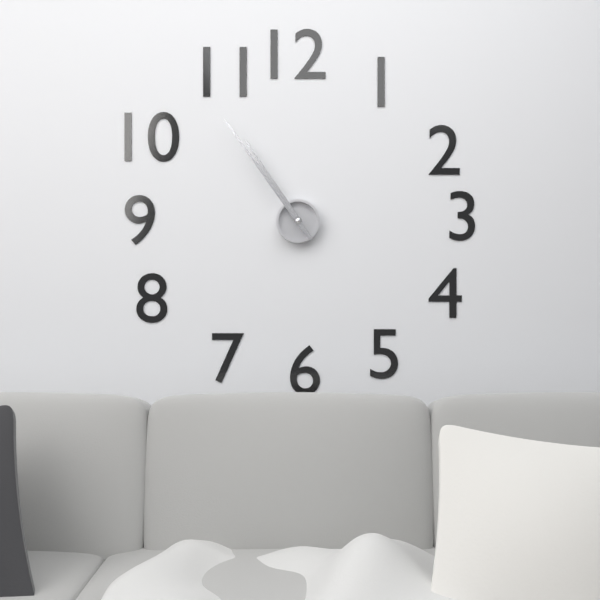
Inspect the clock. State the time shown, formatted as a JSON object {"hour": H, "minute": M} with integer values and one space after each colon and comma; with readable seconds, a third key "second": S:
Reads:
{"hour": 10, "minute": 54}
